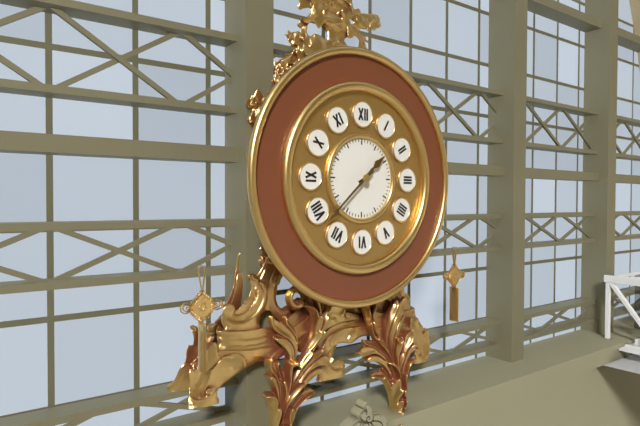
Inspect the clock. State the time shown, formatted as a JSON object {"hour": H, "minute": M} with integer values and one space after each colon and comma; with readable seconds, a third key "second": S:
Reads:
{"hour": 1, "minute": 38}
